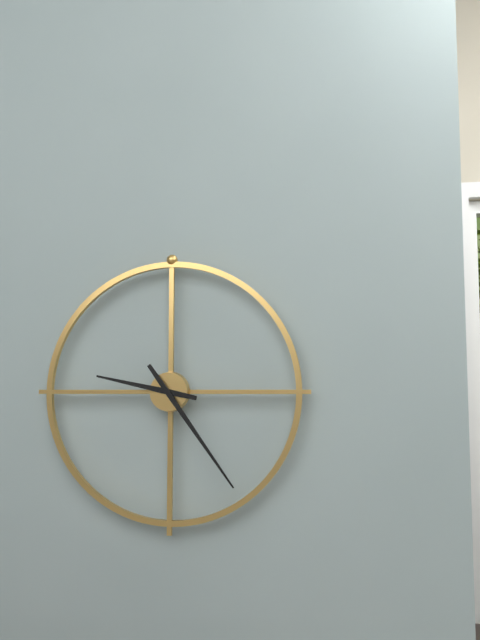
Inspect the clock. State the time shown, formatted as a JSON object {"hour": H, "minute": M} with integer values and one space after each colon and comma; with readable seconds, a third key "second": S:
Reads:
{"hour": 9, "minute": 24}
